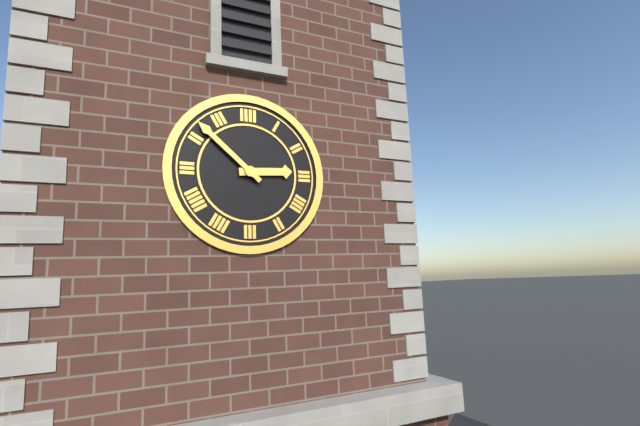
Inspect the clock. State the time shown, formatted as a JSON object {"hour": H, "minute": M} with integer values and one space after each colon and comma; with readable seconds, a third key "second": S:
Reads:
{"hour": 2, "minute": 52}
